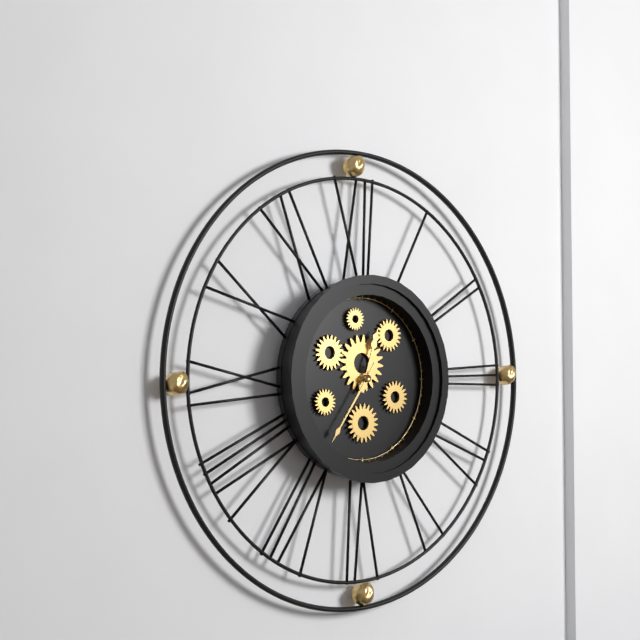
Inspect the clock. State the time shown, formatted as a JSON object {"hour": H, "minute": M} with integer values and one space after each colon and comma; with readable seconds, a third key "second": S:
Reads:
{"hour": 12, "minute": 36}
